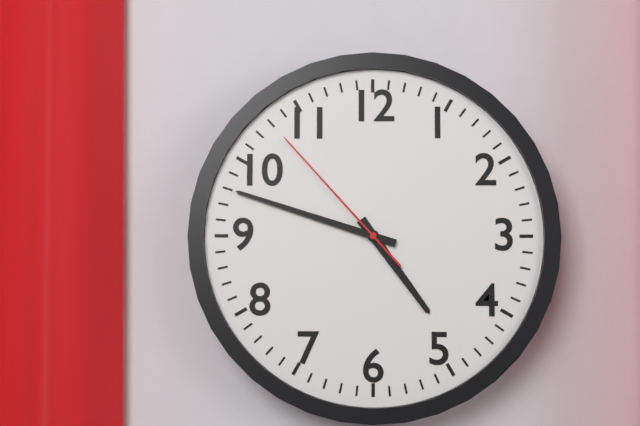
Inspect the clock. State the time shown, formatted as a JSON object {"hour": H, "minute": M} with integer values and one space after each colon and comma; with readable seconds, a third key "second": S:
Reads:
{"hour": 4, "minute": 48, "second": 53}
